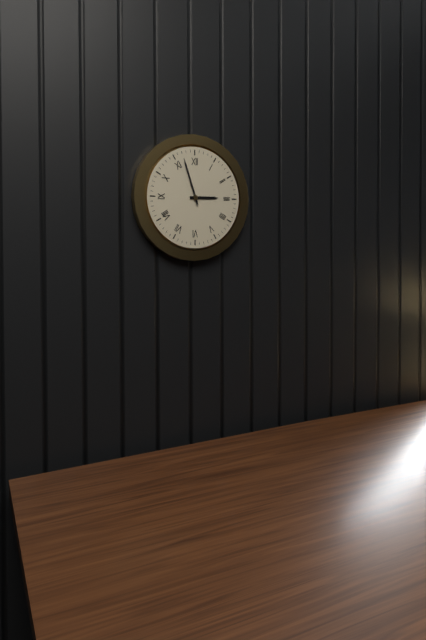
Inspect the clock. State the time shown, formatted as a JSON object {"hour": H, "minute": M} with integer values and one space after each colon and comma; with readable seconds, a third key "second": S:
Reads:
{"hour": 2, "minute": 57}
